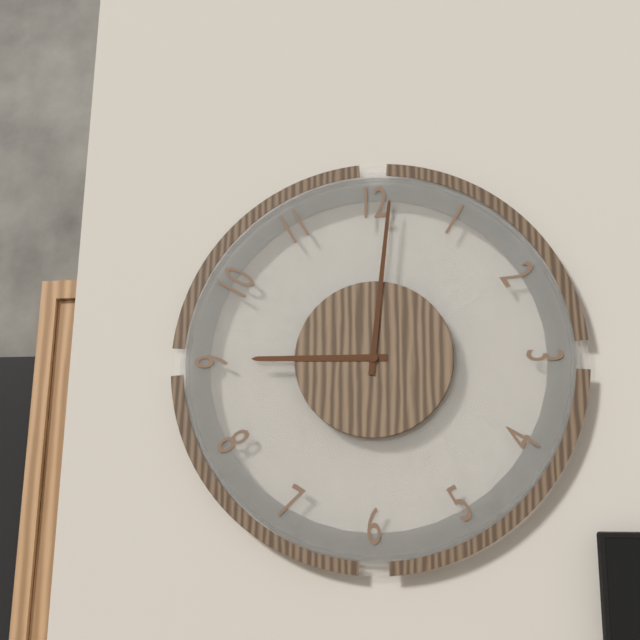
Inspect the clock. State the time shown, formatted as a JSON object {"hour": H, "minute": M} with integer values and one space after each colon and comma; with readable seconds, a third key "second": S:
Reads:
{"hour": 9, "minute": 1}
